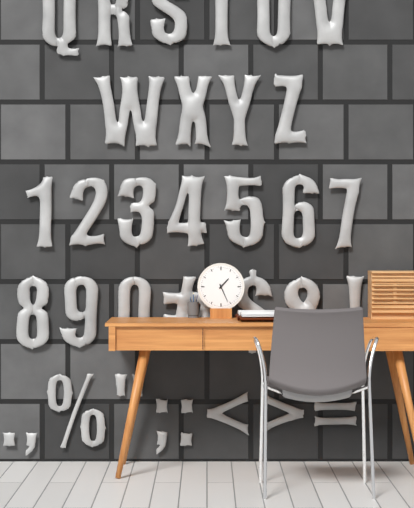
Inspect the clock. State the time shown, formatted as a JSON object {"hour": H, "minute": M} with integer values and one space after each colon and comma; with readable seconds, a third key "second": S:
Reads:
{"hour": 1, "minute": 26}
